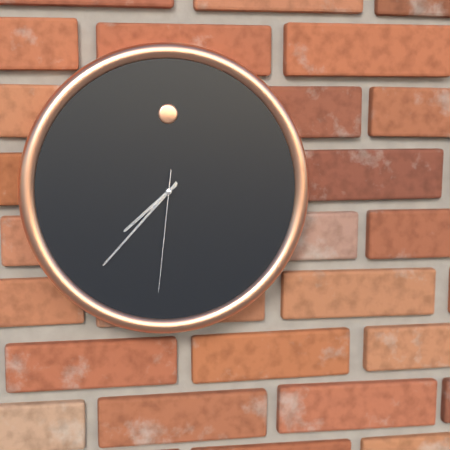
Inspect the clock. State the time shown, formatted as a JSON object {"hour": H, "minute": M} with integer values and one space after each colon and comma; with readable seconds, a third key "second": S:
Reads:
{"hour": 7, "minute": 37, "second": 31}
